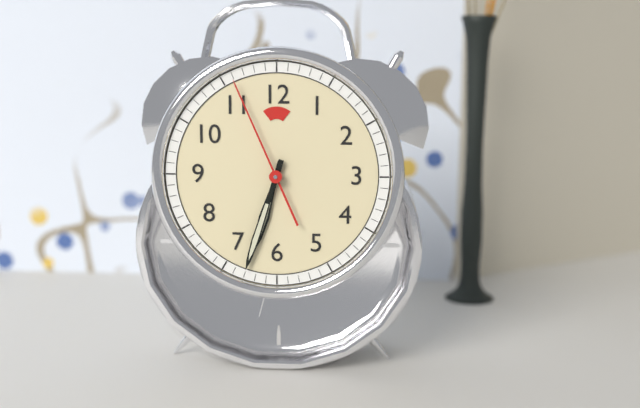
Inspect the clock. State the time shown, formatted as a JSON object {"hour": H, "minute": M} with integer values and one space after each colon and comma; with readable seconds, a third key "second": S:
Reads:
{"hour": 6, "minute": 33, "second": 56}
